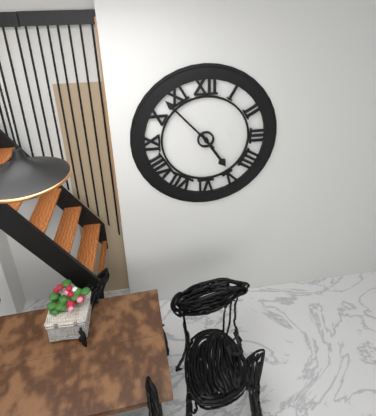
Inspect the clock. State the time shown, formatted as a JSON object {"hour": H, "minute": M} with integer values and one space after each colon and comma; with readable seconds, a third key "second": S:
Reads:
{"hour": 4, "minute": 53}
